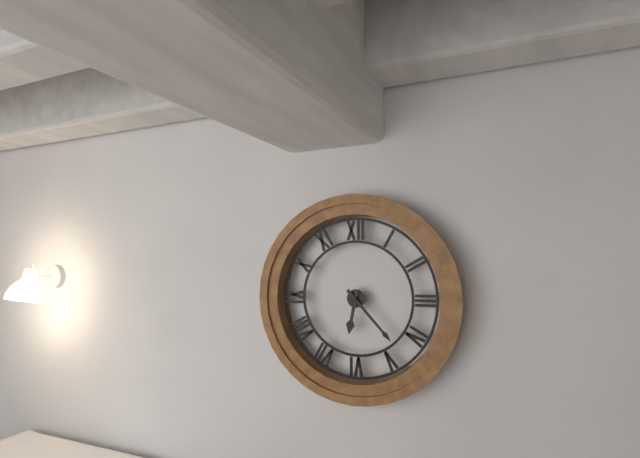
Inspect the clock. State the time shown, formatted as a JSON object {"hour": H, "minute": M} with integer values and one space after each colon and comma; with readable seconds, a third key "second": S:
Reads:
{"hour": 6, "minute": 23}
